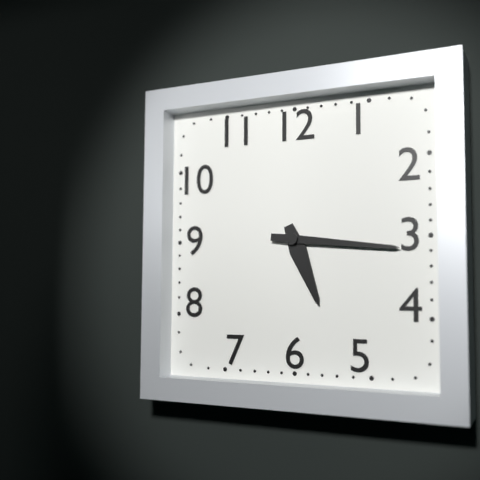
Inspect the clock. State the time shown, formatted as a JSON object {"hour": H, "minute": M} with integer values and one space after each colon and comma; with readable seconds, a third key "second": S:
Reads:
{"hour": 5, "minute": 16}
